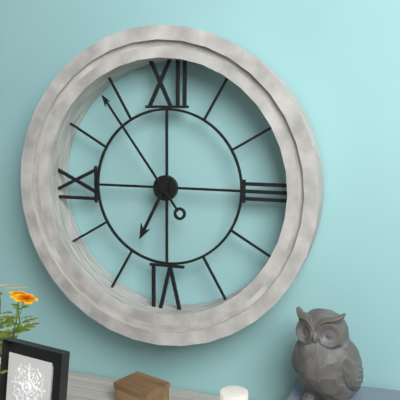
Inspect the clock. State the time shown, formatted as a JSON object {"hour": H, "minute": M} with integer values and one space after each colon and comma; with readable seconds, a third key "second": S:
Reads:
{"hour": 6, "minute": 54}
